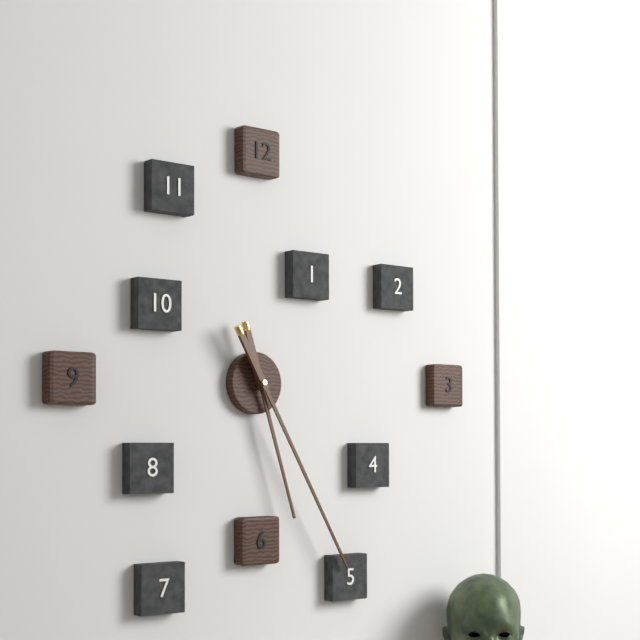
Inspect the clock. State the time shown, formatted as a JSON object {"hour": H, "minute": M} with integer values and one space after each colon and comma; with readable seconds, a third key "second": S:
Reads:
{"hour": 5, "minute": 25}
